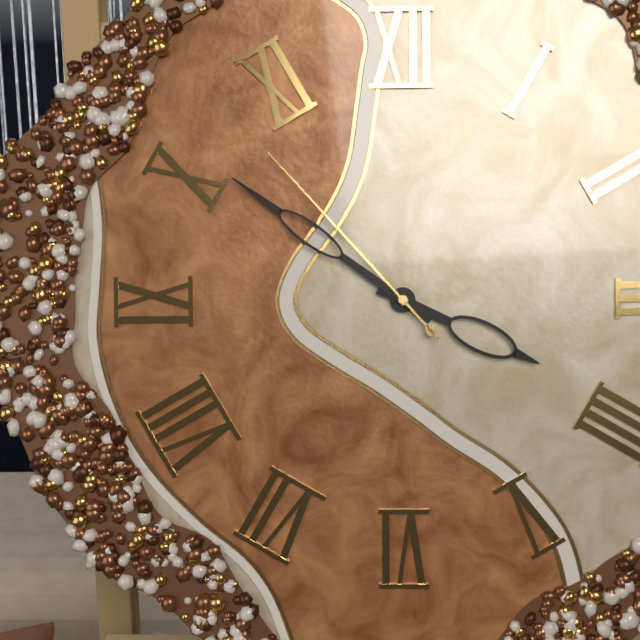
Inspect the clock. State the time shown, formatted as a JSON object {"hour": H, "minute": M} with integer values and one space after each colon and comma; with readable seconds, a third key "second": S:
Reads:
{"hour": 3, "minute": 51, "second": 53}
